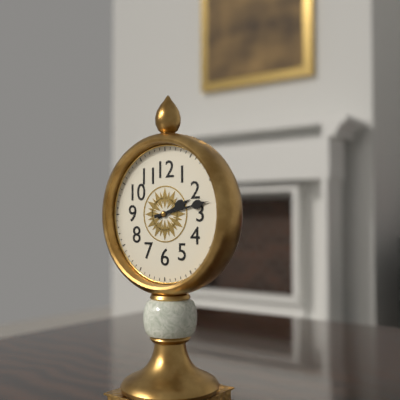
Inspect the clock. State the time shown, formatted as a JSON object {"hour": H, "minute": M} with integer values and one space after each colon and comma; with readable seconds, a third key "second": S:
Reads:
{"hour": 2, "minute": 13}
